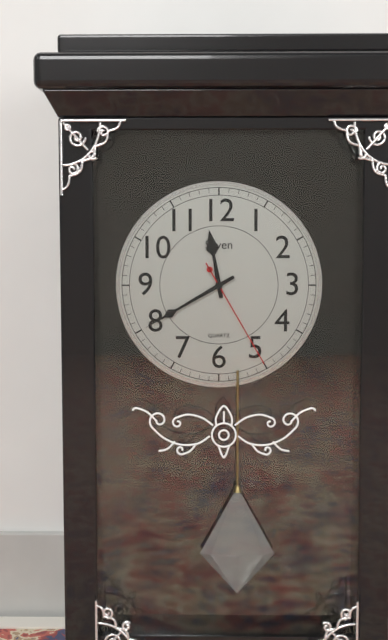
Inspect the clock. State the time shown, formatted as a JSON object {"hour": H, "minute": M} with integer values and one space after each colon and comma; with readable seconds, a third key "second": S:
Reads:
{"hour": 11, "minute": 40, "second": 25}
